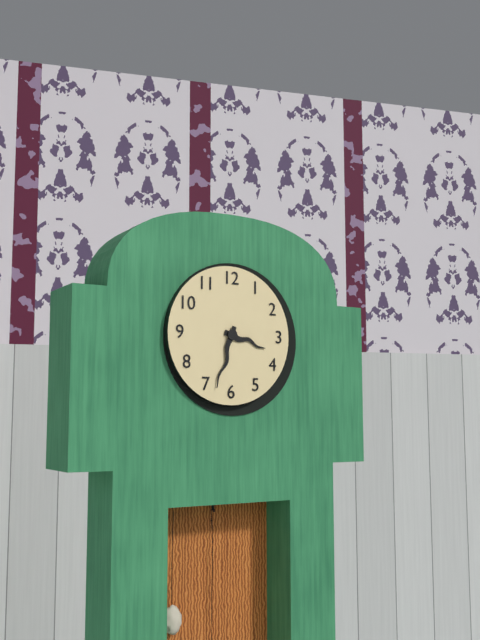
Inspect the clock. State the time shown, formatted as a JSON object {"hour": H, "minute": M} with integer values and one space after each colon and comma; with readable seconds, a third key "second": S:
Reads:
{"hour": 3, "minute": 33}
